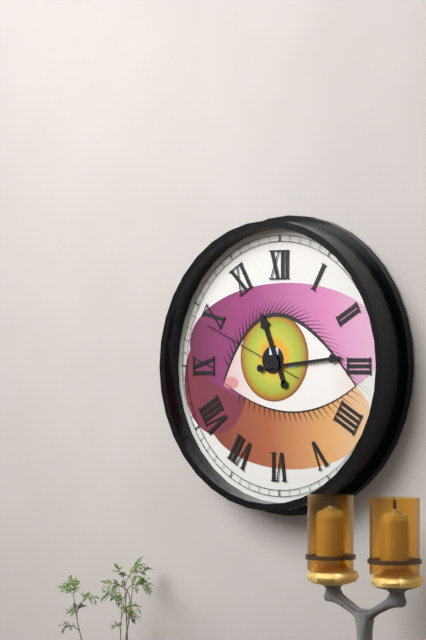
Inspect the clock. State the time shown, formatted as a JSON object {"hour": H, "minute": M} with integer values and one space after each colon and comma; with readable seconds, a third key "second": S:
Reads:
{"hour": 11, "minute": 14, "second": 49}
